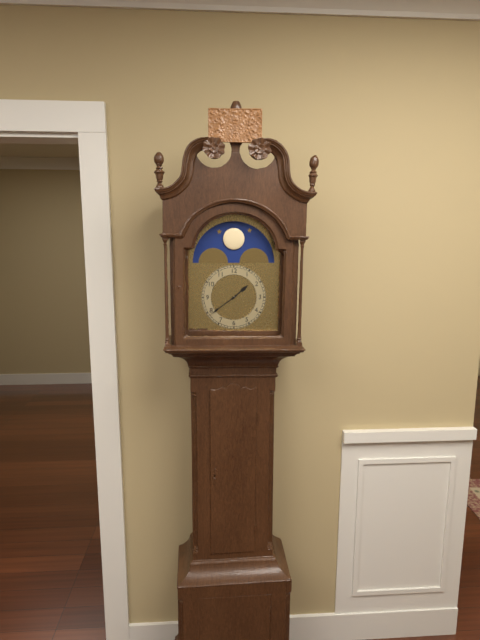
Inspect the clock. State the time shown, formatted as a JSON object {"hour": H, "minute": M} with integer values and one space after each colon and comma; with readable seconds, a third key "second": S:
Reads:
{"hour": 1, "minute": 39}
